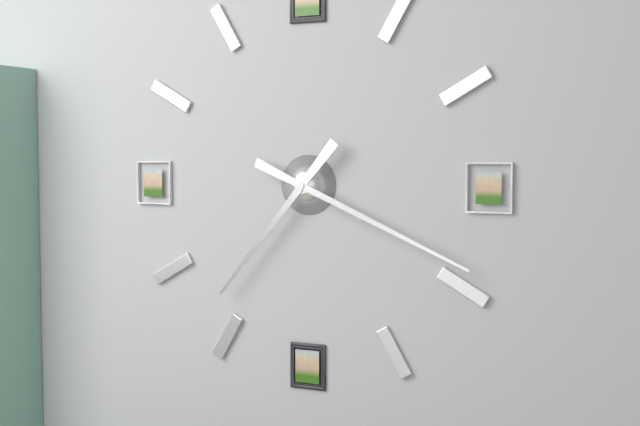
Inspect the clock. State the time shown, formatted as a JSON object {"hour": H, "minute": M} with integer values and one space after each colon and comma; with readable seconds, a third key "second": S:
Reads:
{"hour": 7, "minute": 19}
